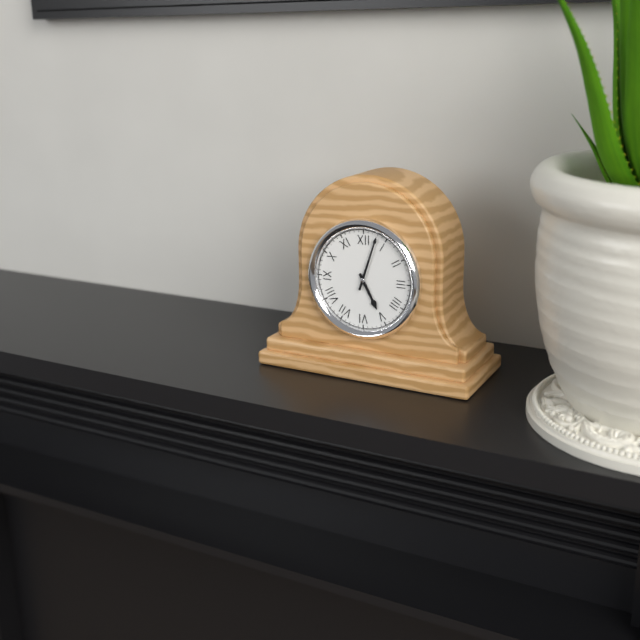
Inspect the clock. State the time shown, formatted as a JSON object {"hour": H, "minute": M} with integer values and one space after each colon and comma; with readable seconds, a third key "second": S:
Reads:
{"hour": 5, "minute": 3}
